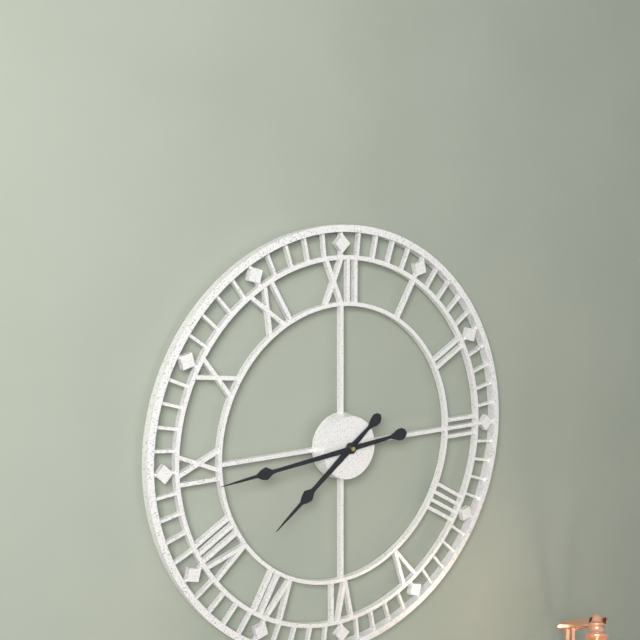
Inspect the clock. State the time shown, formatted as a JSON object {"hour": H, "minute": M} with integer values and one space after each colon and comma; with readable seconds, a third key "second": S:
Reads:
{"hour": 7, "minute": 44}
